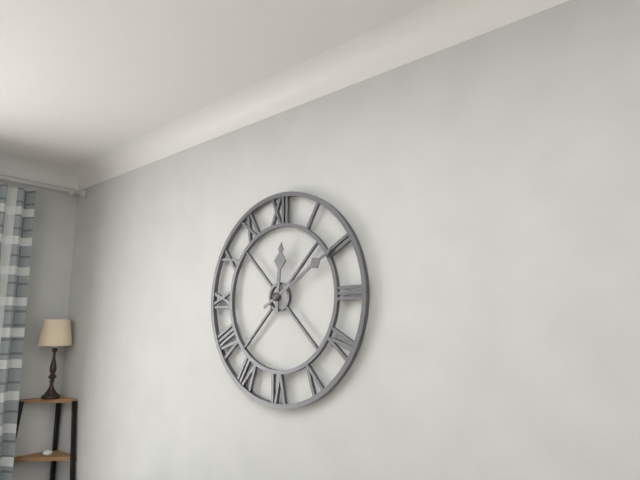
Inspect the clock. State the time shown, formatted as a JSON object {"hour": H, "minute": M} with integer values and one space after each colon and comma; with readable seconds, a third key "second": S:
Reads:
{"hour": 12, "minute": 10}
